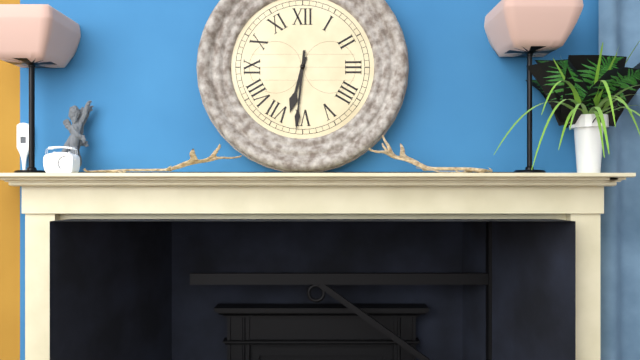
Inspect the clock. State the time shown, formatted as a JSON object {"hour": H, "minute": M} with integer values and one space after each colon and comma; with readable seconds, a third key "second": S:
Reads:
{"hour": 6, "minute": 31}
